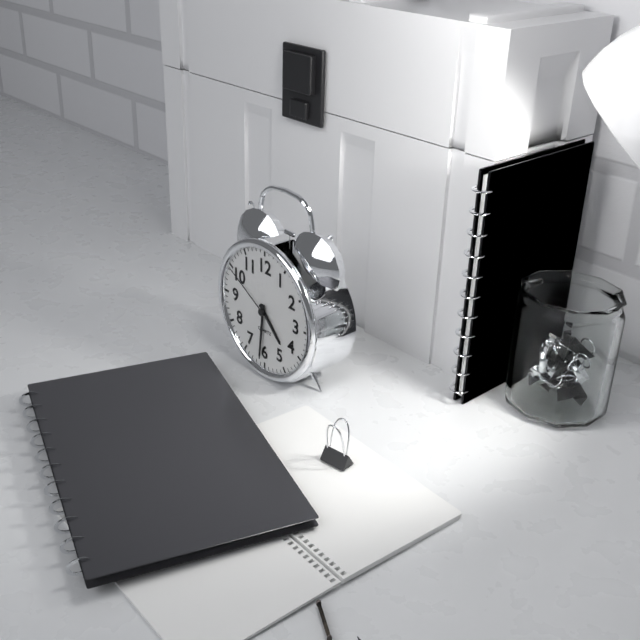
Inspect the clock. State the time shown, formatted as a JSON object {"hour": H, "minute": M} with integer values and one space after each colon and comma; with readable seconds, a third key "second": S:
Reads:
{"hour": 4, "minute": 31, "second": 50}
